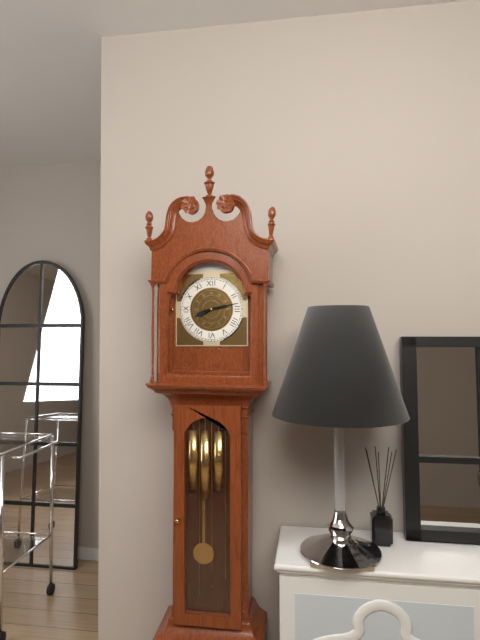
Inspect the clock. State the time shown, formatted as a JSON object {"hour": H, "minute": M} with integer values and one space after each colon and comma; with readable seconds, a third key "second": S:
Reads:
{"hour": 8, "minute": 13}
